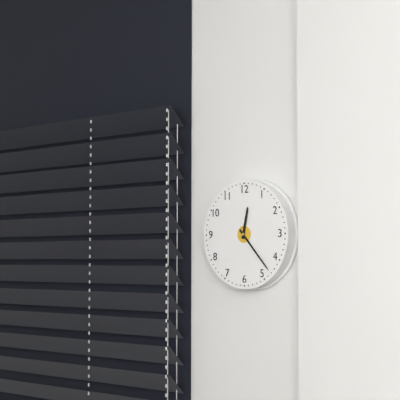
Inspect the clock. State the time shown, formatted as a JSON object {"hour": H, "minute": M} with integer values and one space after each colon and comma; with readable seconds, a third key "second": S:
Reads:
{"hour": 12, "minute": 23}
